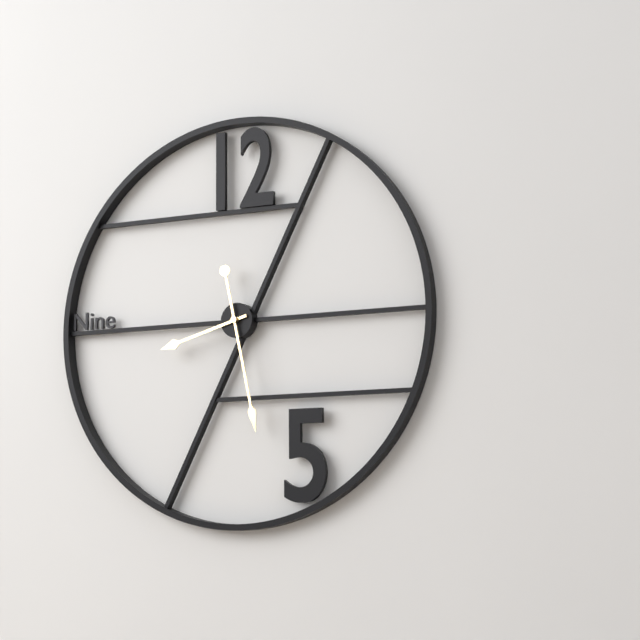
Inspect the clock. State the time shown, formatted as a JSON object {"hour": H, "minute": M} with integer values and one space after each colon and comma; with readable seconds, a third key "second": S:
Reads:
{"hour": 8, "minute": 28}
